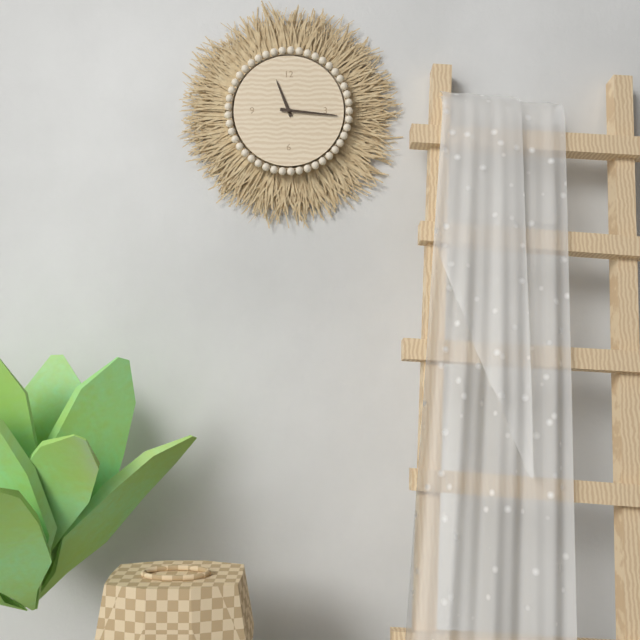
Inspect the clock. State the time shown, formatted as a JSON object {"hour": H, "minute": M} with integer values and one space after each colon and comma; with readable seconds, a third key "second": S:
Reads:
{"hour": 11, "minute": 16}
